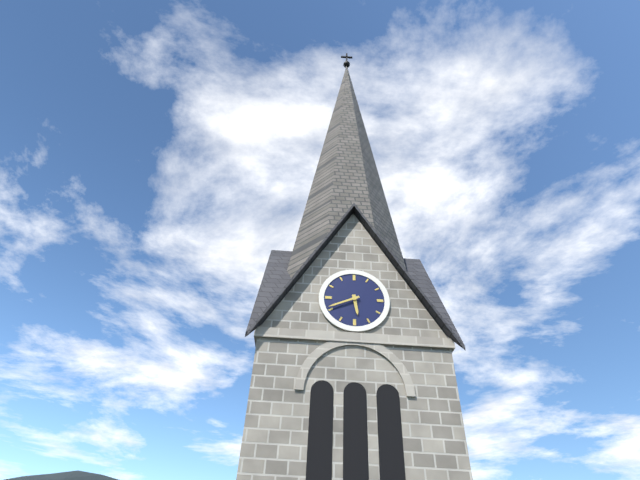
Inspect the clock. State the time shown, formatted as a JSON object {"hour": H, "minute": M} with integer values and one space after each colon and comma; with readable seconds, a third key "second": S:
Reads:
{"hour": 5, "minute": 41}
